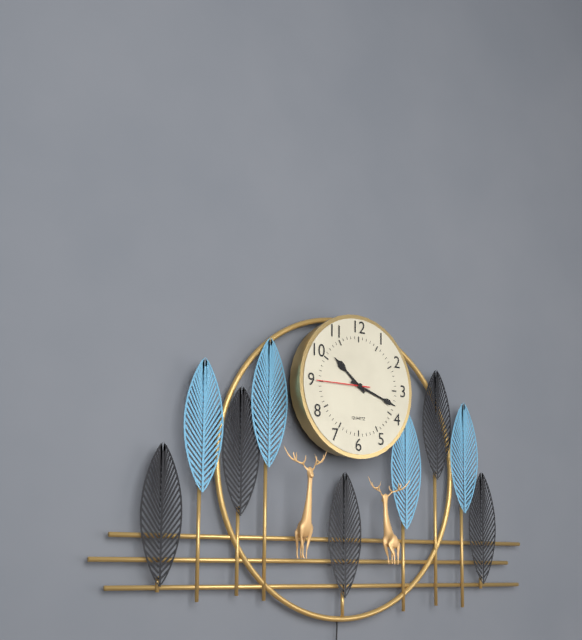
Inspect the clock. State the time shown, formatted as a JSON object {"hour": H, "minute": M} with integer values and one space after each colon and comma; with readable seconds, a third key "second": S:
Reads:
{"hour": 10, "minute": 18, "second": 45}
